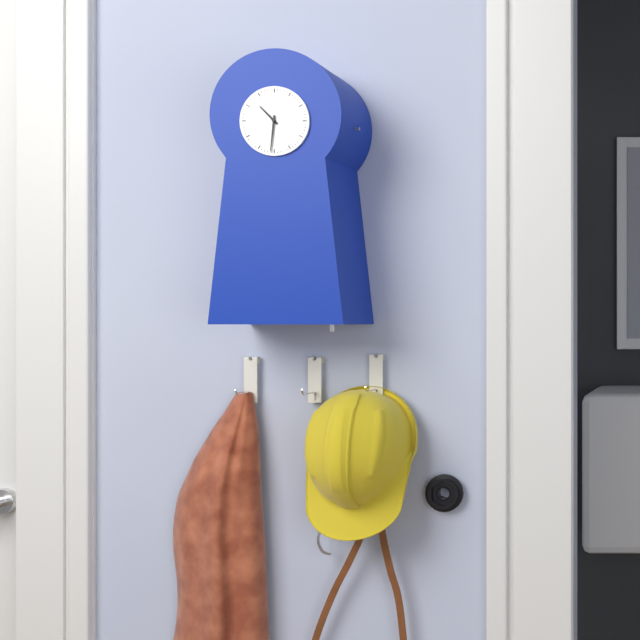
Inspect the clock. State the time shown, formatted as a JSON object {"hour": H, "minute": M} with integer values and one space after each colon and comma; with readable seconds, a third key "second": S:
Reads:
{"hour": 10, "minute": 31}
